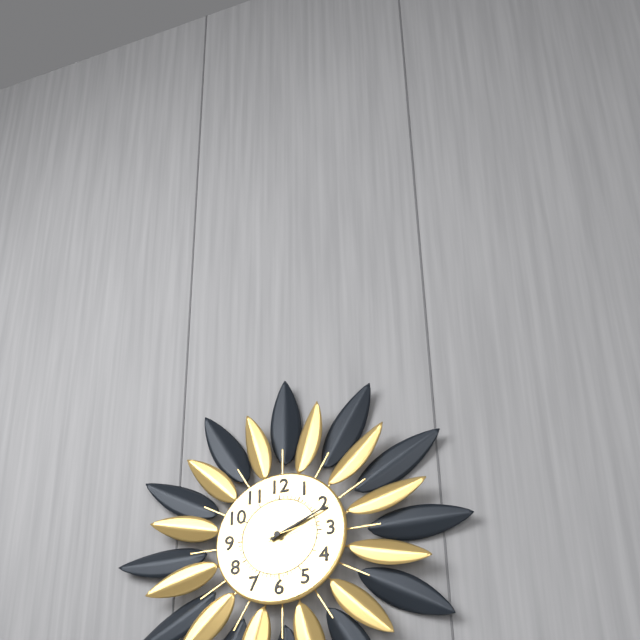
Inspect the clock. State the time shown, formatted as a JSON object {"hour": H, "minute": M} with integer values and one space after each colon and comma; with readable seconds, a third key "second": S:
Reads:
{"hour": 2, "minute": 11, "second": 13}
